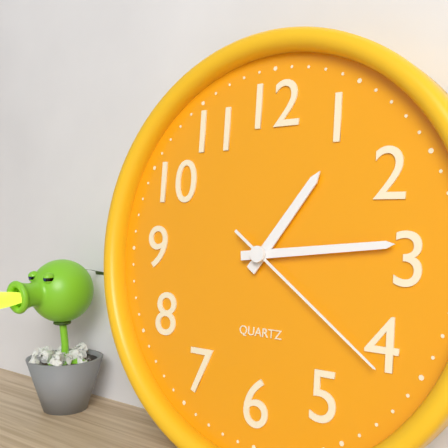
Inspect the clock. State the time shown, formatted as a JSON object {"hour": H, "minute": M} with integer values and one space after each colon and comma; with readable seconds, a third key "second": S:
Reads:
{"hour": 1, "minute": 14, "second": 21}
